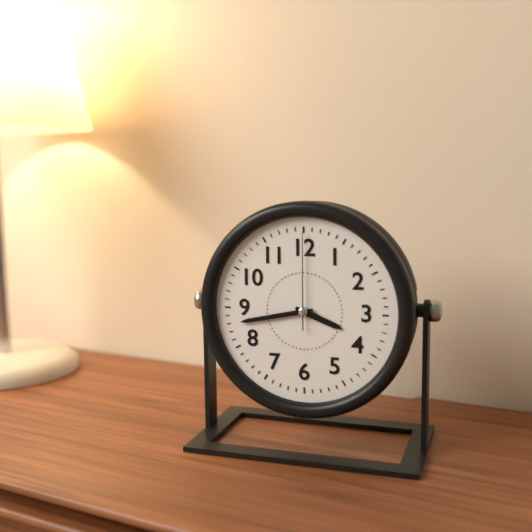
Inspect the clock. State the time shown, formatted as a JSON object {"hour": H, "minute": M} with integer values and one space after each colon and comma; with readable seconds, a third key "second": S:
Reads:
{"hour": 3, "minute": 43, "second": 0}
